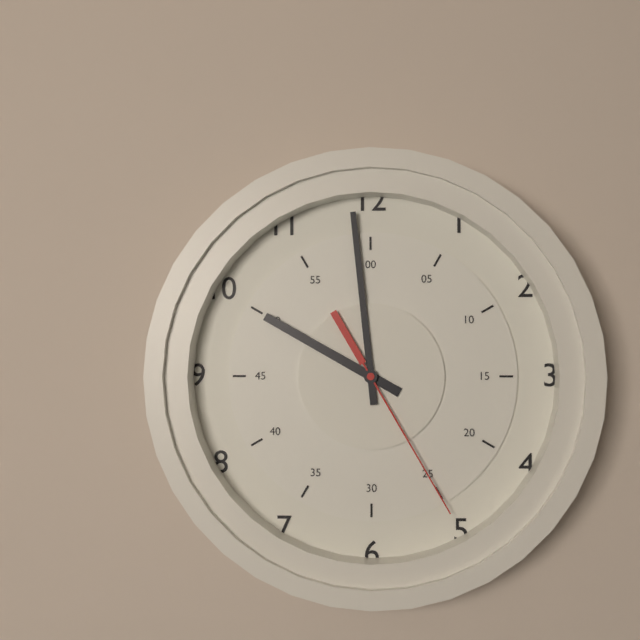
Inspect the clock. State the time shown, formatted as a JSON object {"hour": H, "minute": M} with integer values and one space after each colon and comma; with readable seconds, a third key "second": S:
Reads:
{"hour": 9, "minute": 59, "second": 25}
